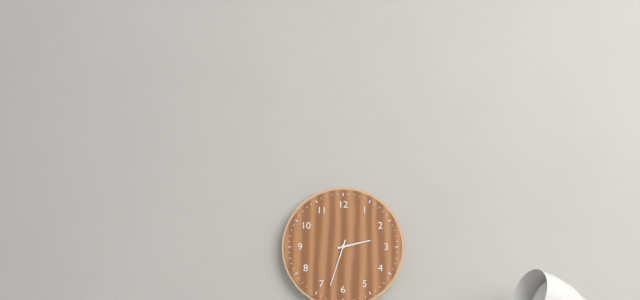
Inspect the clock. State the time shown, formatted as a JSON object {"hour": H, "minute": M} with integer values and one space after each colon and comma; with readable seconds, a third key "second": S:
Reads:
{"hour": 2, "minute": 33}
